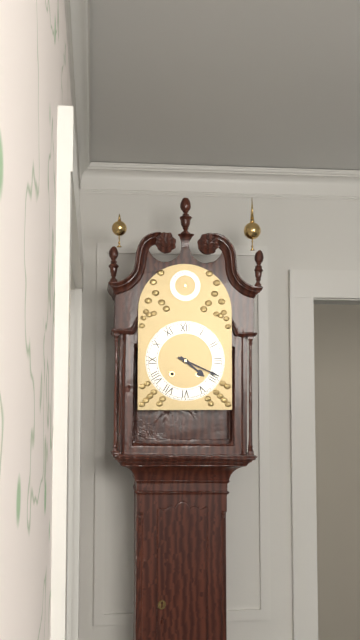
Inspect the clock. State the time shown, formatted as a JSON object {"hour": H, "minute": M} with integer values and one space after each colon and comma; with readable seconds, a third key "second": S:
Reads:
{"hour": 4, "minute": 19}
